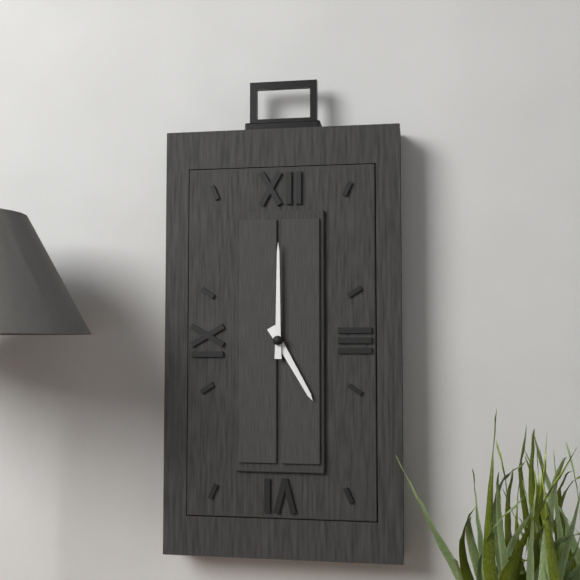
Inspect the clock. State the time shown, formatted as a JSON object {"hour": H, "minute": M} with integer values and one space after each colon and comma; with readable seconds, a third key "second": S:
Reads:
{"hour": 5, "minute": 0}
